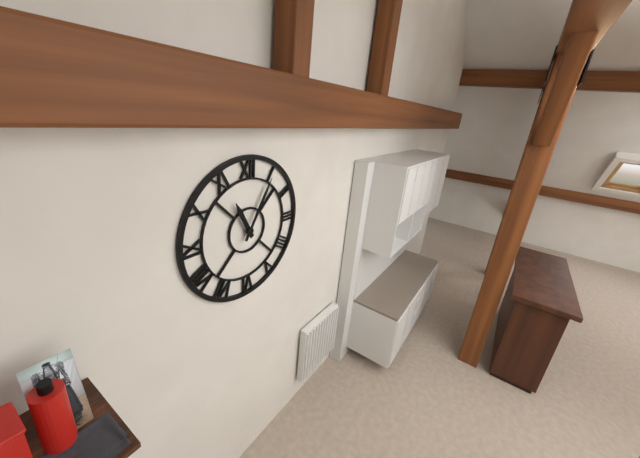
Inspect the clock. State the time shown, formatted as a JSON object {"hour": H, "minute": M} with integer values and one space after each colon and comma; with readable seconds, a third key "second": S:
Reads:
{"hour": 11, "minute": 5}
